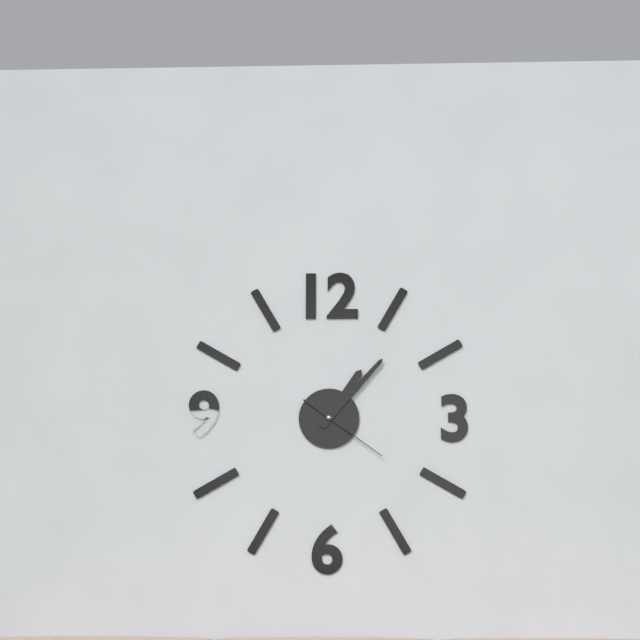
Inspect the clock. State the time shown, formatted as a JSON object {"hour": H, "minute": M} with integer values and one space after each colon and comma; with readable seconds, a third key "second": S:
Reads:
{"hour": 1, "minute": 7, "second": 21}
